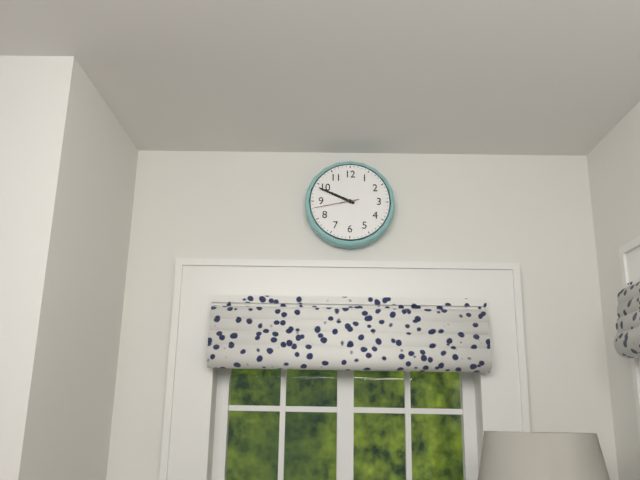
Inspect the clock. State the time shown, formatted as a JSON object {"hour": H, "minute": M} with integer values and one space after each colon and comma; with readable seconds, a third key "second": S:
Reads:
{"hour": 9, "minute": 49}
